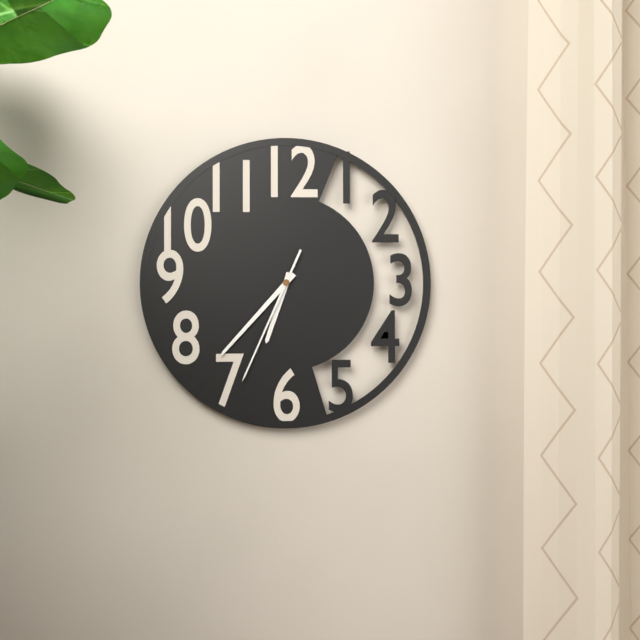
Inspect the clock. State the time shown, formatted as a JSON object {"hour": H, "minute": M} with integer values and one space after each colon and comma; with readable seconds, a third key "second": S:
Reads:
{"hour": 6, "minute": 37, "second": 34}
